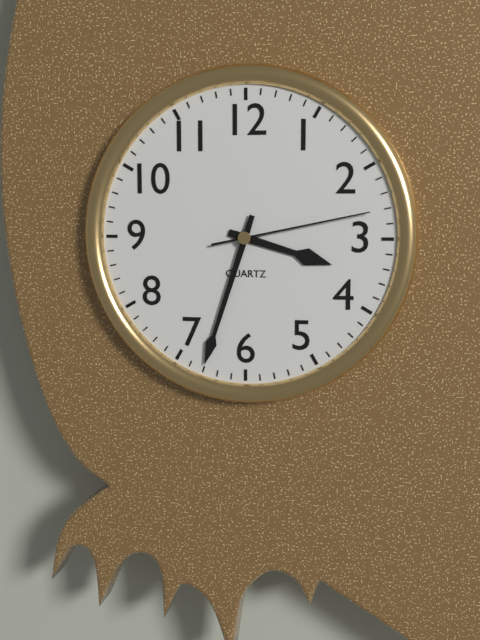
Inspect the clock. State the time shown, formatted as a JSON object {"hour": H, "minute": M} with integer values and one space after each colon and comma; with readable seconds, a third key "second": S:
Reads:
{"hour": 3, "minute": 33, "second": 13}
